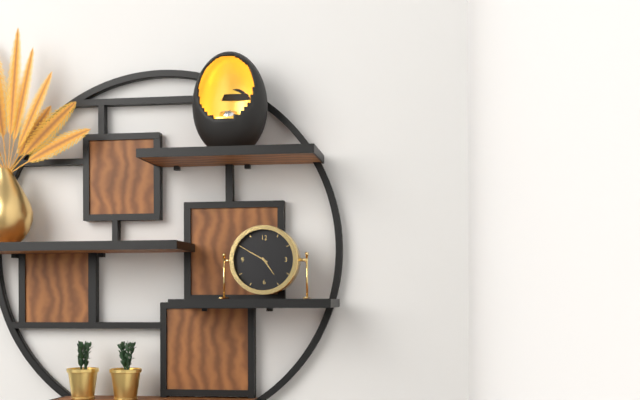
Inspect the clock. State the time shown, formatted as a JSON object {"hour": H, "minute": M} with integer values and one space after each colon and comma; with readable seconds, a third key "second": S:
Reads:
{"hour": 4, "minute": 50}
